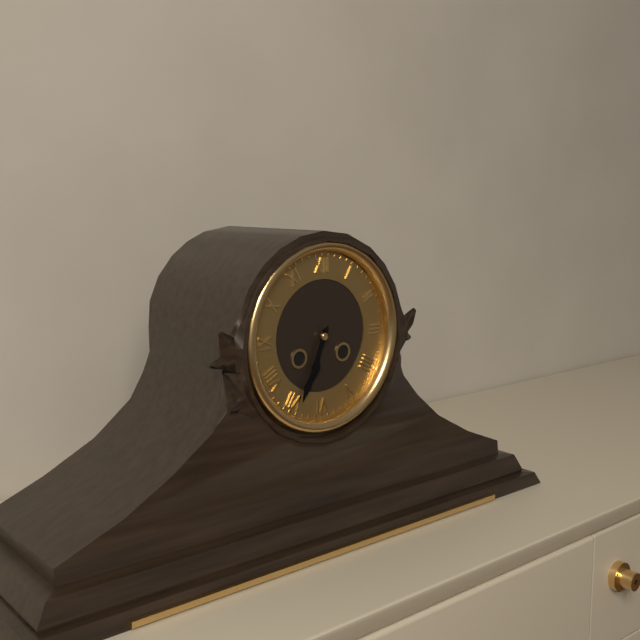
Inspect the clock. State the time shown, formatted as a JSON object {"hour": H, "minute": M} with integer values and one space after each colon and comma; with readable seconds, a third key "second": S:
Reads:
{"hour": 6, "minute": 34}
